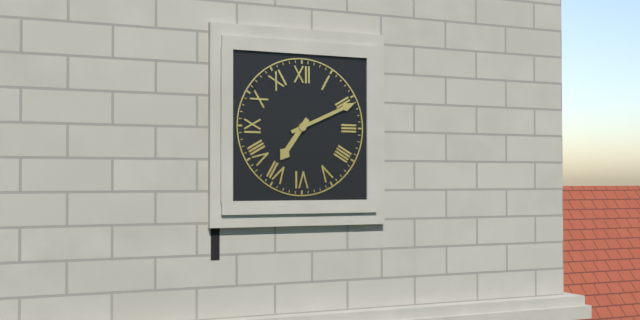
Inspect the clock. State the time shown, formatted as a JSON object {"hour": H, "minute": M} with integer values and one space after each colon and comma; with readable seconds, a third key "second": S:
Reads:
{"hour": 7, "minute": 11}
